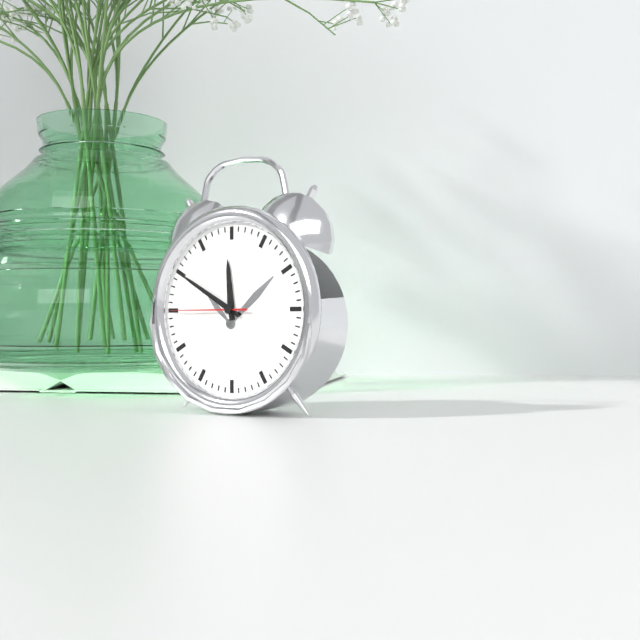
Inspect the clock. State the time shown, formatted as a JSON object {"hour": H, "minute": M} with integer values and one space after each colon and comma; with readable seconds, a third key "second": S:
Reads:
{"hour": 11, "minute": 50, "second": 45}
